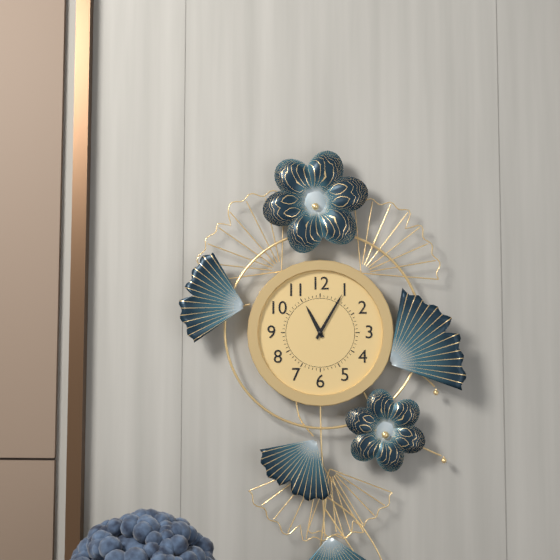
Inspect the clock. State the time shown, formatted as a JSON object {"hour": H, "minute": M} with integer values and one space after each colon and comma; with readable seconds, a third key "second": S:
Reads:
{"hour": 11, "minute": 5}
